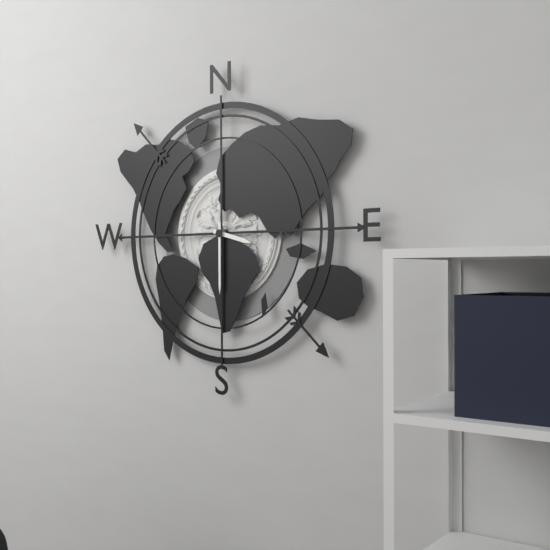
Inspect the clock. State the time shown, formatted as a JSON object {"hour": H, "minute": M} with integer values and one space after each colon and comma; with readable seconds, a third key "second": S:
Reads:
{"hour": 3, "minute": 30}
